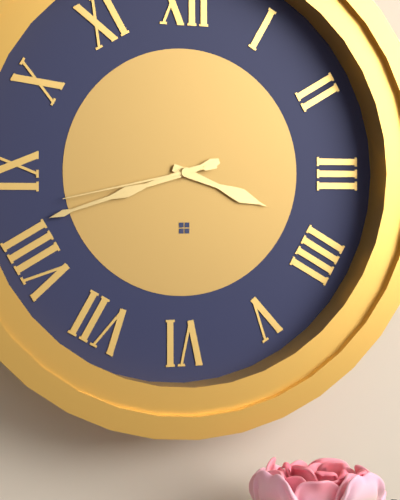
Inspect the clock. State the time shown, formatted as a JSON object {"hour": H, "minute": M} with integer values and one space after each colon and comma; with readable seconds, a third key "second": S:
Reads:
{"hour": 3, "minute": 42, "second": 43}
